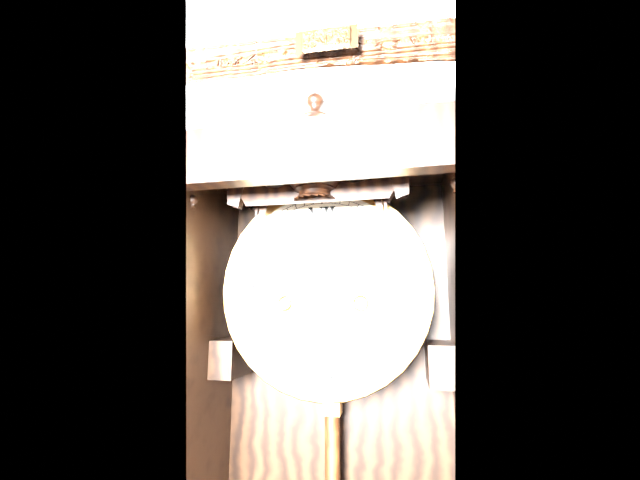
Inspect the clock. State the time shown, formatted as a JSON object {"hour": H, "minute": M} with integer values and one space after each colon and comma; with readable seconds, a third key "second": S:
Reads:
{"hour": 12, "minute": 51}
